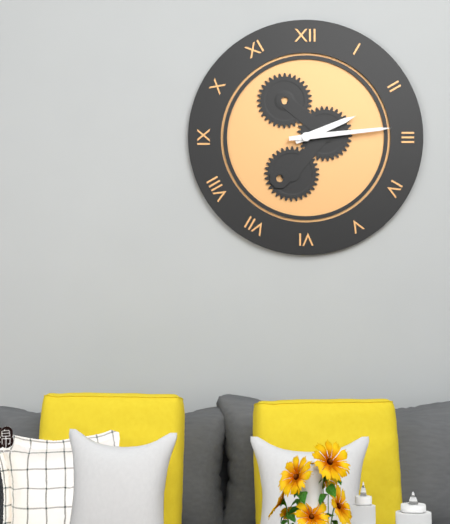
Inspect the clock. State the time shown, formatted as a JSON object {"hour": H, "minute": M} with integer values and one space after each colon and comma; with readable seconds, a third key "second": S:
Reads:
{"hour": 2, "minute": 14}
